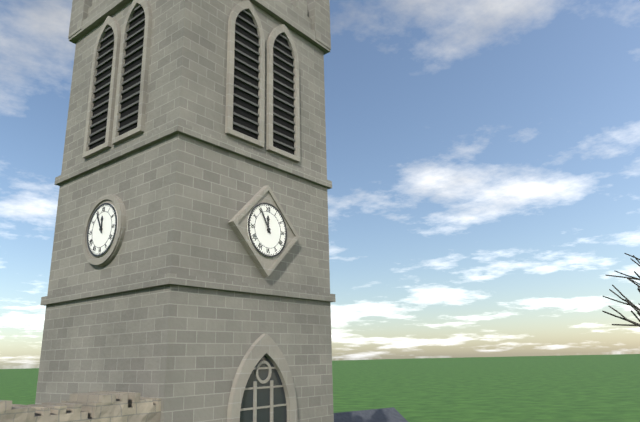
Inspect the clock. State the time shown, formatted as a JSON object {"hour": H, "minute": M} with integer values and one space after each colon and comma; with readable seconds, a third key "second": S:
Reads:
{"hour": 11, "minute": 55}
